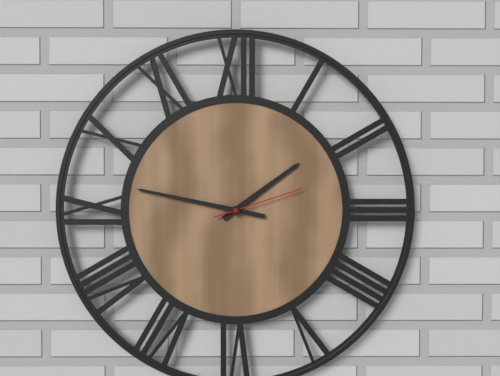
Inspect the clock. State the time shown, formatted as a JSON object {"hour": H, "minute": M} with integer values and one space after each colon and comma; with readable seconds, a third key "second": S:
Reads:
{"hour": 1, "minute": 47, "second": 12}
